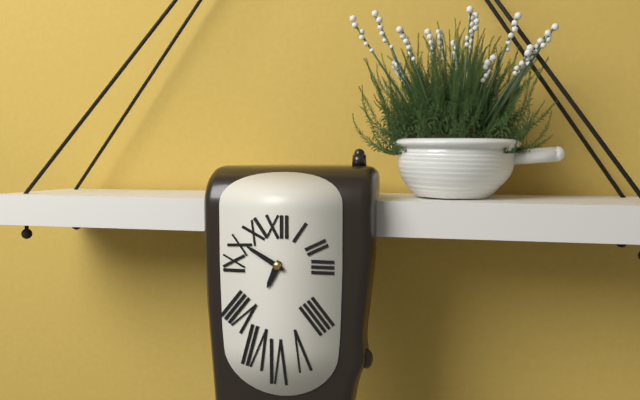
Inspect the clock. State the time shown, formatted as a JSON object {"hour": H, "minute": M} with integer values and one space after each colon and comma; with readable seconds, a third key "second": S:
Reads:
{"hour": 6, "minute": 50}
